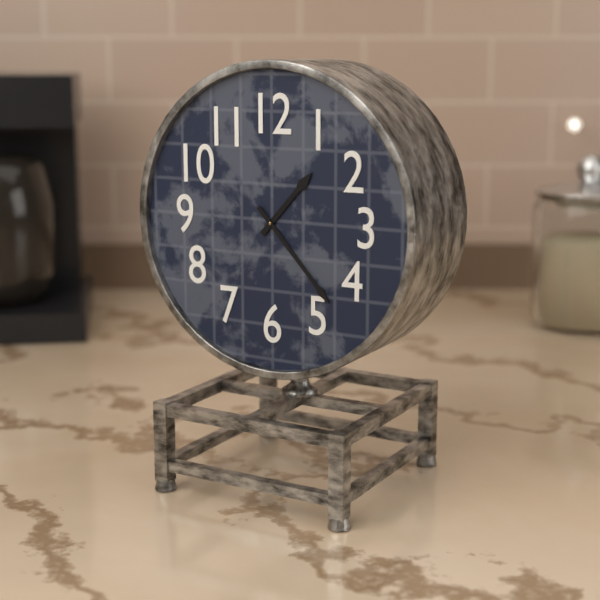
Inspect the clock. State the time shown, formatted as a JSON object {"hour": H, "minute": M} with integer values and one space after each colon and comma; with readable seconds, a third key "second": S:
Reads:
{"hour": 1, "minute": 23}
